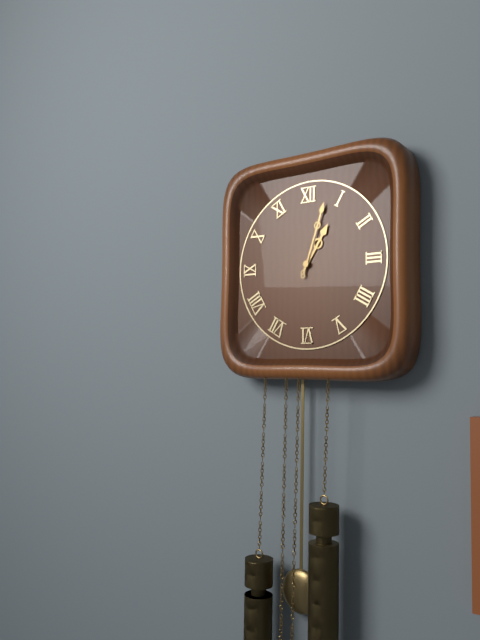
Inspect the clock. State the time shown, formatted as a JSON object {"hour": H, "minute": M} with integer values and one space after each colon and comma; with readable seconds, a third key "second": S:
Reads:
{"hour": 1, "minute": 3}
